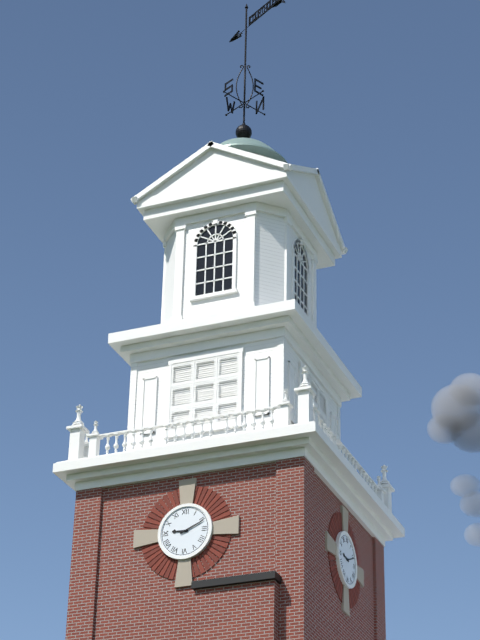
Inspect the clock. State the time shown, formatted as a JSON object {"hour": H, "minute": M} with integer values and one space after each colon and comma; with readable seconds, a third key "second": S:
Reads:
{"hour": 9, "minute": 11}
